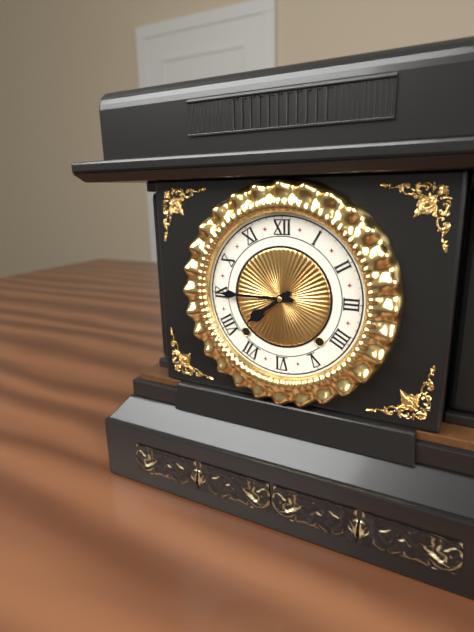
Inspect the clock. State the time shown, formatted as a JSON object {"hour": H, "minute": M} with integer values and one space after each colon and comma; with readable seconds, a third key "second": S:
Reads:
{"hour": 7, "minute": 45}
